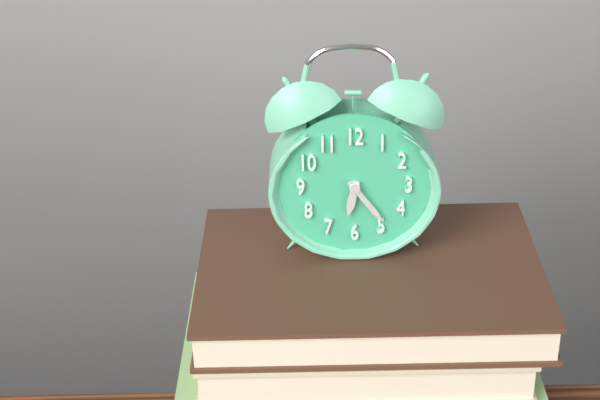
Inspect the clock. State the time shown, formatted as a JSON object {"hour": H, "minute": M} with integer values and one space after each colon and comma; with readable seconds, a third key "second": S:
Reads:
{"hour": 6, "minute": 24}
